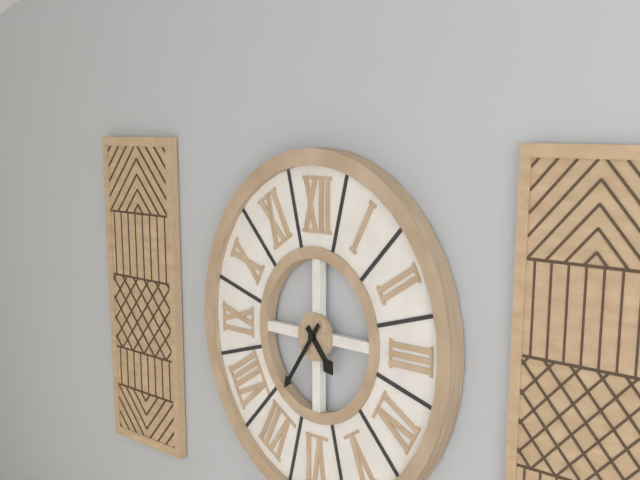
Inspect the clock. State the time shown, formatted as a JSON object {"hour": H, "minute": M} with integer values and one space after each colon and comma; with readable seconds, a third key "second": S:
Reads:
{"hour": 4, "minute": 36}
